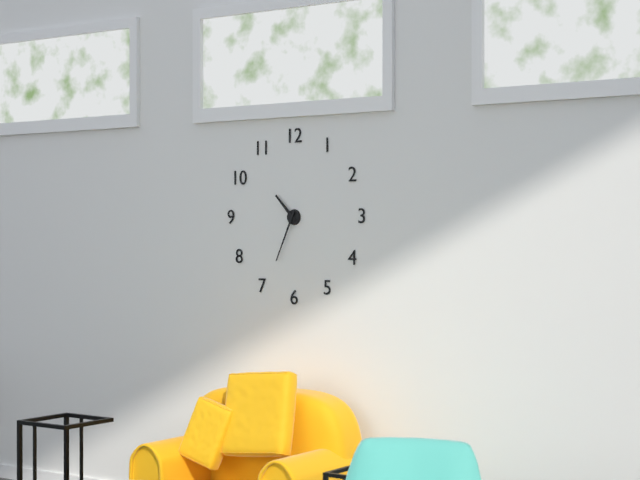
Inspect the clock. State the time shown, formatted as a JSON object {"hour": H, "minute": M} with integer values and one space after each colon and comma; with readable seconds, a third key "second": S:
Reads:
{"hour": 10, "minute": 34}
